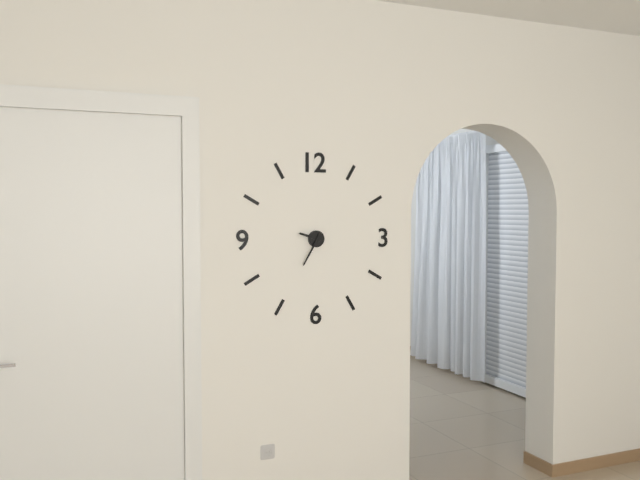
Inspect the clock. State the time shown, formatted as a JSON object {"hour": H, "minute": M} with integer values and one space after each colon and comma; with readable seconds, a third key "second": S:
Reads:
{"hour": 9, "minute": 35}
